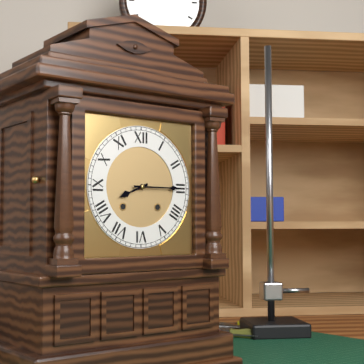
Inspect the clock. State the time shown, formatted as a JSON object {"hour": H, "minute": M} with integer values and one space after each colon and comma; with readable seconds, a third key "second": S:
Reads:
{"hour": 8, "minute": 15}
